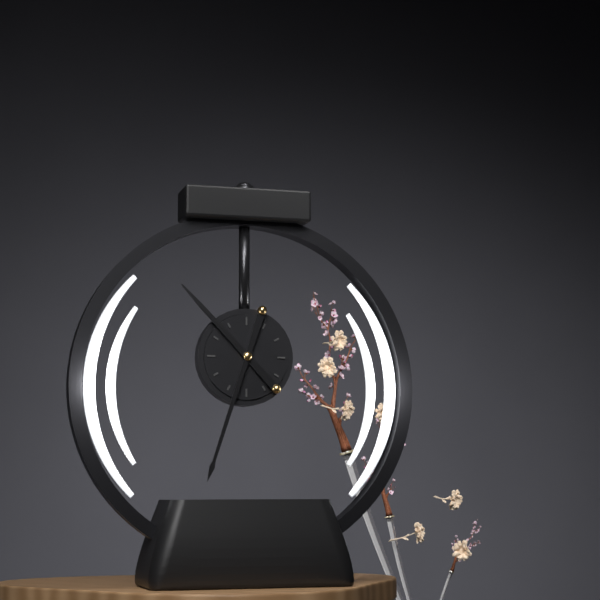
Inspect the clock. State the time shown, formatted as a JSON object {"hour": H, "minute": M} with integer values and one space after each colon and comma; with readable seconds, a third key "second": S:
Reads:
{"hour": 10, "minute": 33}
